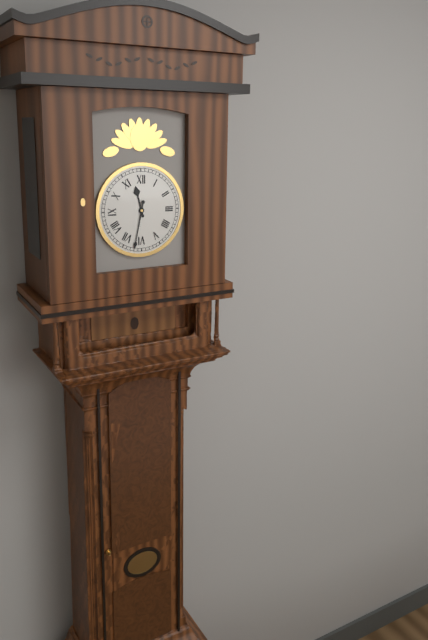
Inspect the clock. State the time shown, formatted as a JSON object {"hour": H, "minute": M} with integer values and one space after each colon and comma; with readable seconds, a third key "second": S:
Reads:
{"hour": 11, "minute": 32}
